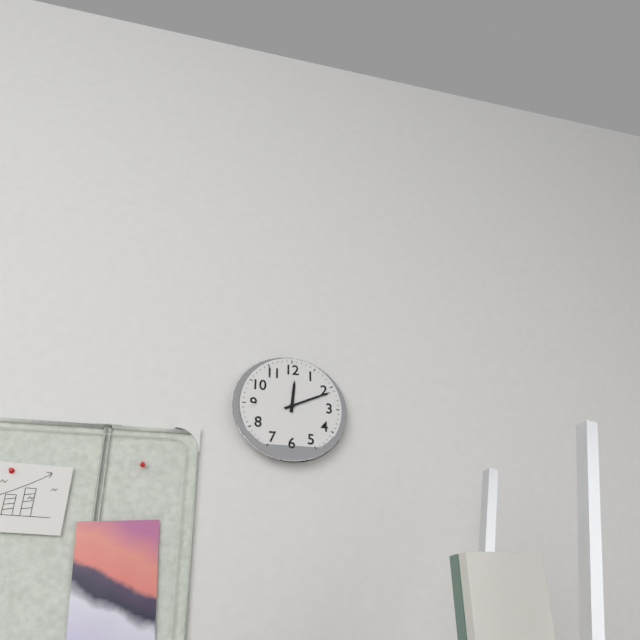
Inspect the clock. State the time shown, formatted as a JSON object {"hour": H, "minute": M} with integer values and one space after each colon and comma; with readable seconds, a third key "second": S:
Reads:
{"hour": 12, "minute": 11}
